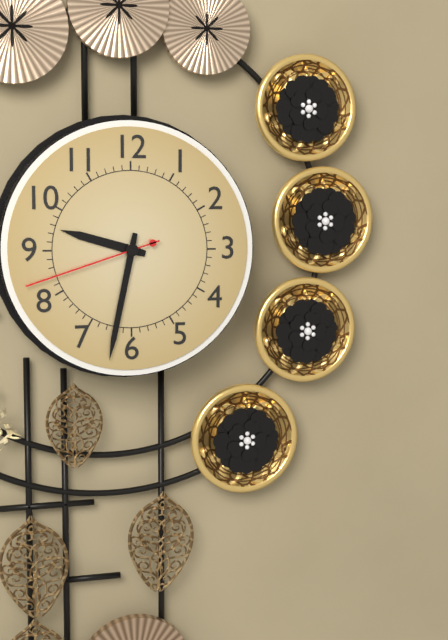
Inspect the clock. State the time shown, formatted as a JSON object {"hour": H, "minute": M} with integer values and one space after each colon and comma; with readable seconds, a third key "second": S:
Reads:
{"hour": 9, "minute": 32, "second": 42}
